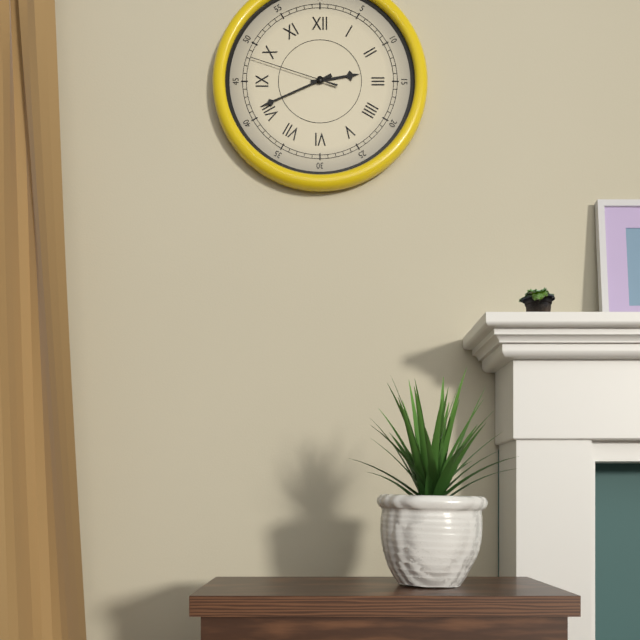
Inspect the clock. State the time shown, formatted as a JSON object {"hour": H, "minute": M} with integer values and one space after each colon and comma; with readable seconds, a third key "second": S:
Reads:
{"hour": 2, "minute": 41, "second": 48}
